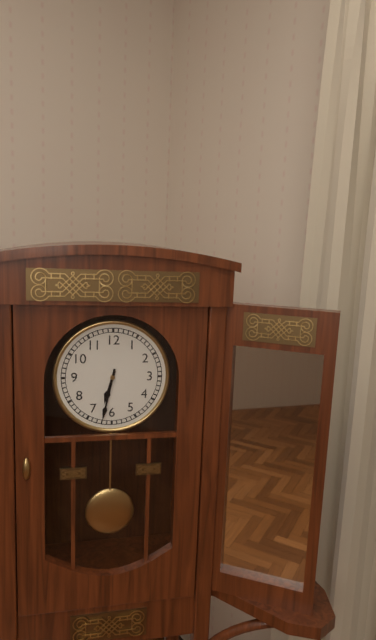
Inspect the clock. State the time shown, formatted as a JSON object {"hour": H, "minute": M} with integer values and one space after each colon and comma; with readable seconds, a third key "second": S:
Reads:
{"hour": 6, "minute": 32}
